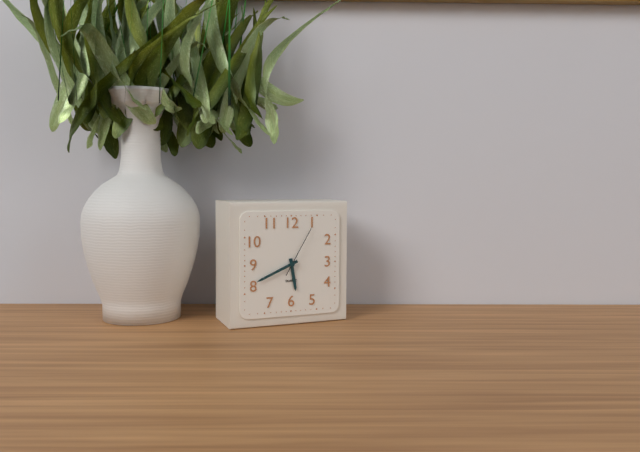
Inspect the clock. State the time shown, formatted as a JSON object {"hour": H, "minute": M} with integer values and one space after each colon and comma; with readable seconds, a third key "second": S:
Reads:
{"hour": 5, "minute": 41, "second": 5}
